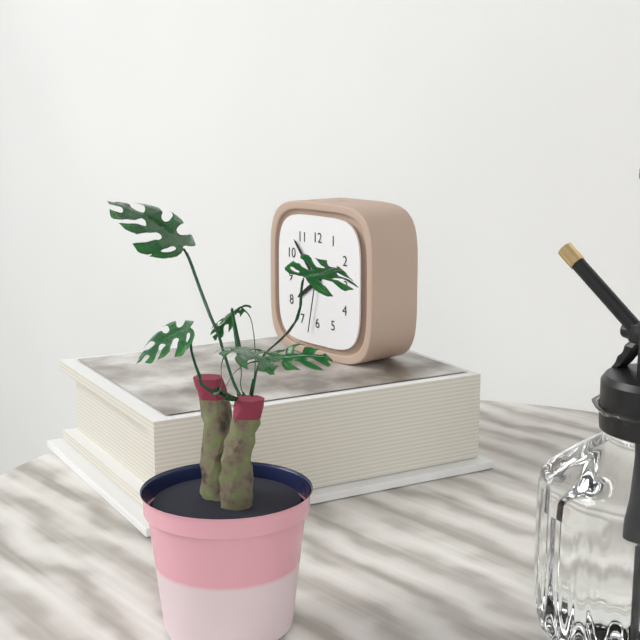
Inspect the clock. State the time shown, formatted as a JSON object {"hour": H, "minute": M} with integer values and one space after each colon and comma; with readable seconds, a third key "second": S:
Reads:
{"hour": 7, "minute": 53, "second": 32}
